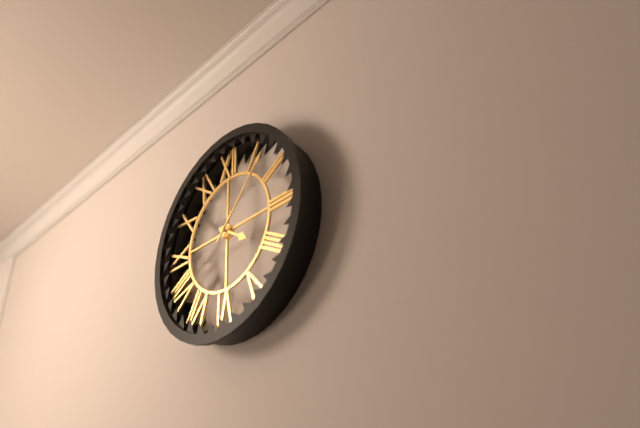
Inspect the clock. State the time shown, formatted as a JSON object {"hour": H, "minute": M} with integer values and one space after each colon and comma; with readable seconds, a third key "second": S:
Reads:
{"hour": 4, "minute": 7}
